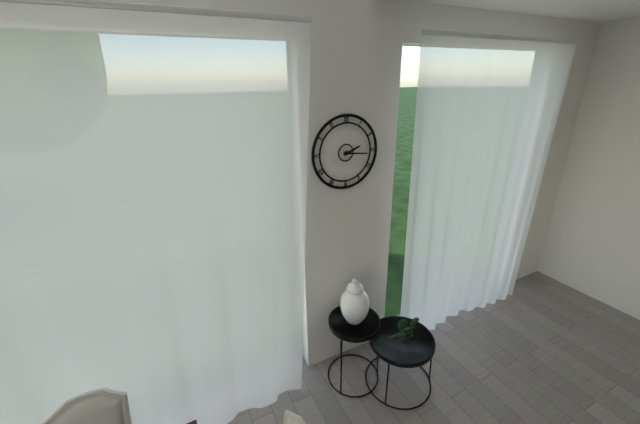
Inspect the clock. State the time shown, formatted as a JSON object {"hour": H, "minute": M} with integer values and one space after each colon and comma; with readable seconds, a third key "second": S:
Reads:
{"hour": 2, "minute": 16}
